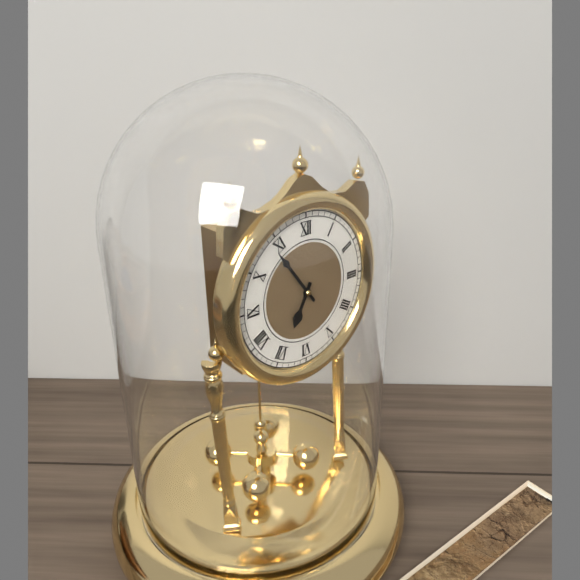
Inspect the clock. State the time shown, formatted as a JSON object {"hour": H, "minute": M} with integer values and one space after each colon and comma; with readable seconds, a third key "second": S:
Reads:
{"hour": 6, "minute": 54}
